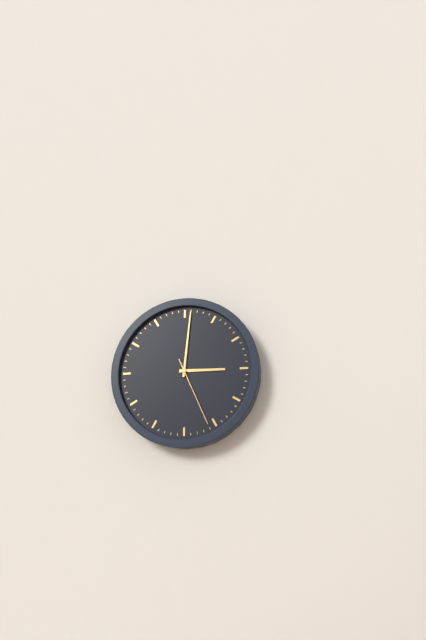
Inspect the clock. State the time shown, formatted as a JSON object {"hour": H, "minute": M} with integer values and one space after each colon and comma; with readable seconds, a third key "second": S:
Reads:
{"hour": 3, "minute": 1, "second": 26}
